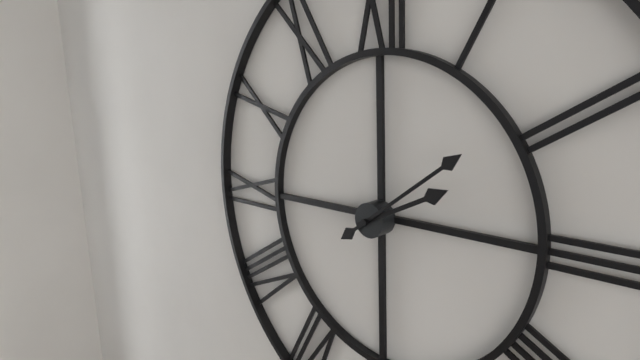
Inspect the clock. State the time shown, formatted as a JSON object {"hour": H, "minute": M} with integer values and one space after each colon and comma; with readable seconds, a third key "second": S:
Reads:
{"hour": 2, "minute": 9}
